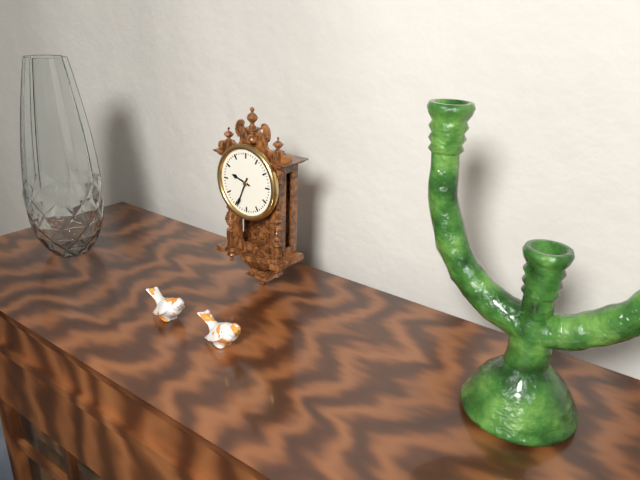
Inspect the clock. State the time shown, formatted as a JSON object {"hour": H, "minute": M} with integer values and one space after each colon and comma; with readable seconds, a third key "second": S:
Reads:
{"hour": 9, "minute": 34}
